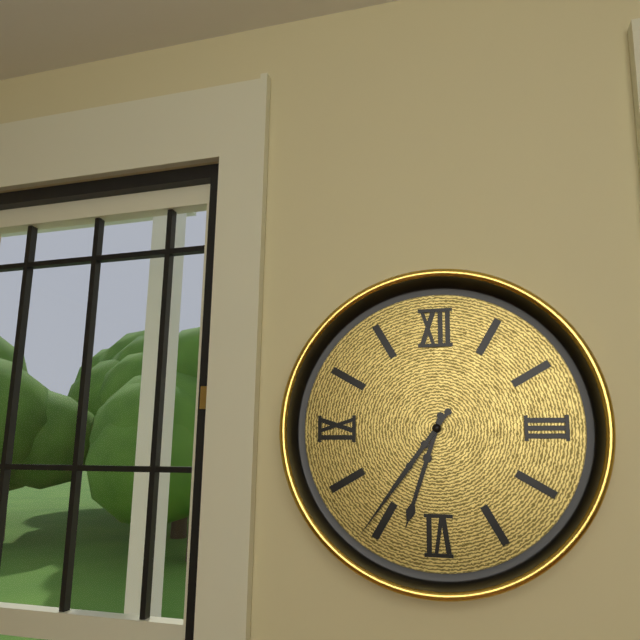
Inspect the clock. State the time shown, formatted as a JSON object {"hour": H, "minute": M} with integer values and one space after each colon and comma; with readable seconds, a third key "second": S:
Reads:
{"hour": 6, "minute": 36}
